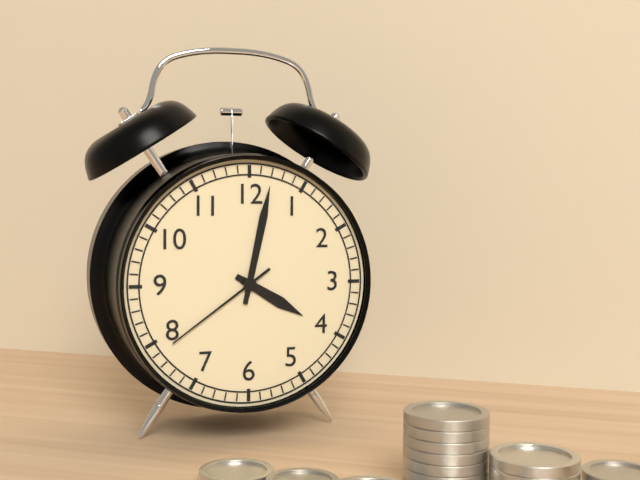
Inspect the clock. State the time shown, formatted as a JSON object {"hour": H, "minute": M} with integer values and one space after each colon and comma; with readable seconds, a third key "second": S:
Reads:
{"hour": 4, "minute": 2, "second": 39}
